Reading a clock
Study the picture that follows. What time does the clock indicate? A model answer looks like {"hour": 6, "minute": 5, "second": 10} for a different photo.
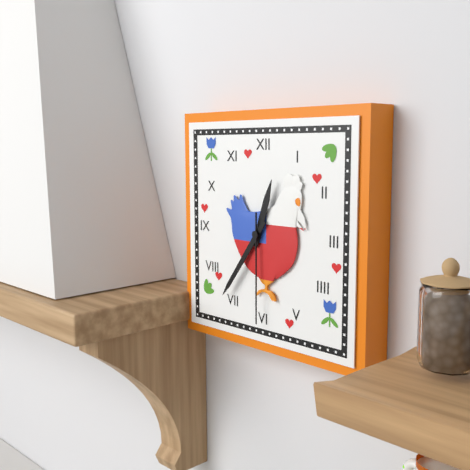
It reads {"hour": 12, "minute": 36, "second": 30}
